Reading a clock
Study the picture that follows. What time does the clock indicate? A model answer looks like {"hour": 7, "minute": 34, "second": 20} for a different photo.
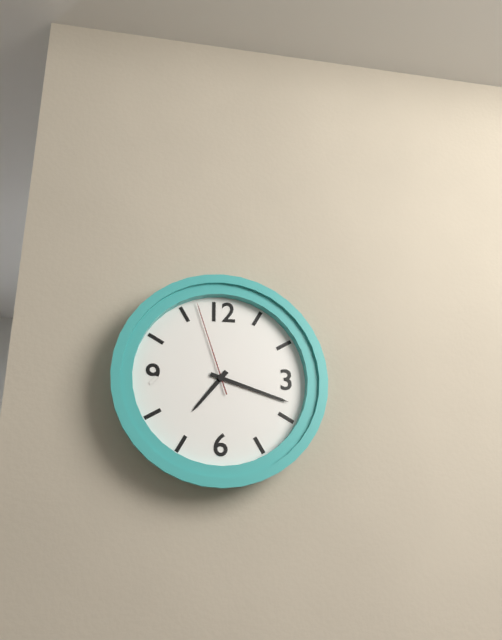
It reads {"hour": 7, "minute": 18, "second": 57}
